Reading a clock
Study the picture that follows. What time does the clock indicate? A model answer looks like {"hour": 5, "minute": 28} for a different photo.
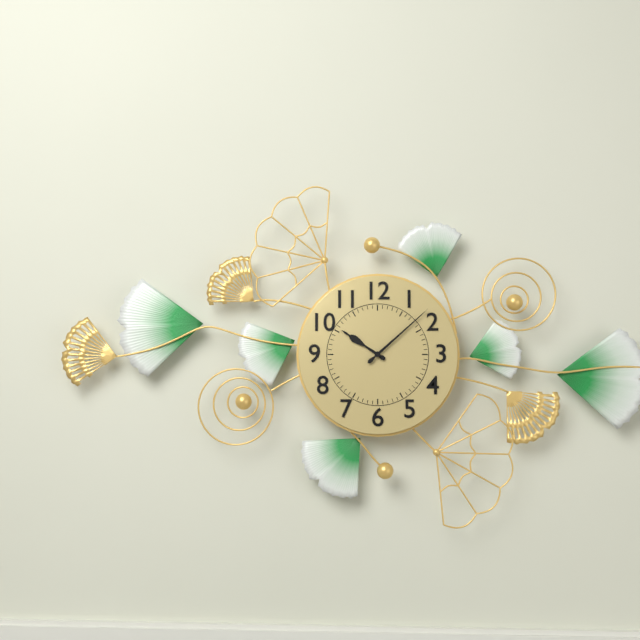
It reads {"hour": 10, "minute": 8}
